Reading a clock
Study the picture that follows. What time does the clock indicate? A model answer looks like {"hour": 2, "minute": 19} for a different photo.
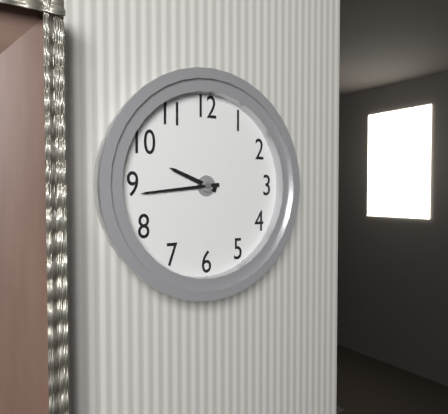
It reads {"hour": 9, "minute": 44}
